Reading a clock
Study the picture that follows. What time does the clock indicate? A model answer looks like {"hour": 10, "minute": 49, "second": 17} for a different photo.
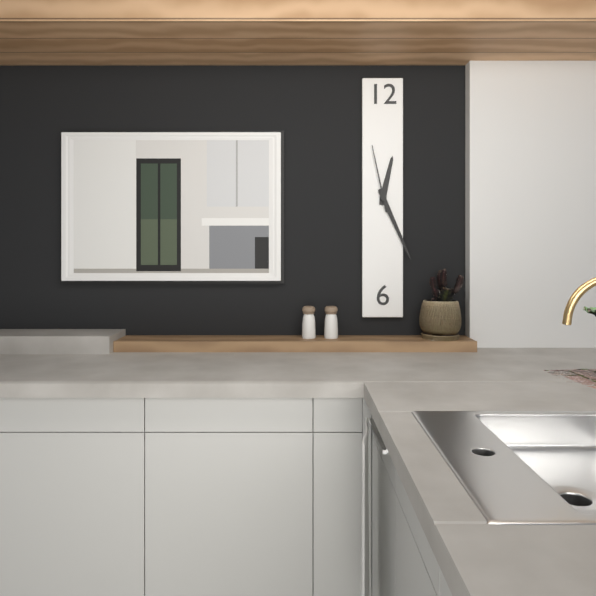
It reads {"hour": 12, "minute": 26, "second": 58}
